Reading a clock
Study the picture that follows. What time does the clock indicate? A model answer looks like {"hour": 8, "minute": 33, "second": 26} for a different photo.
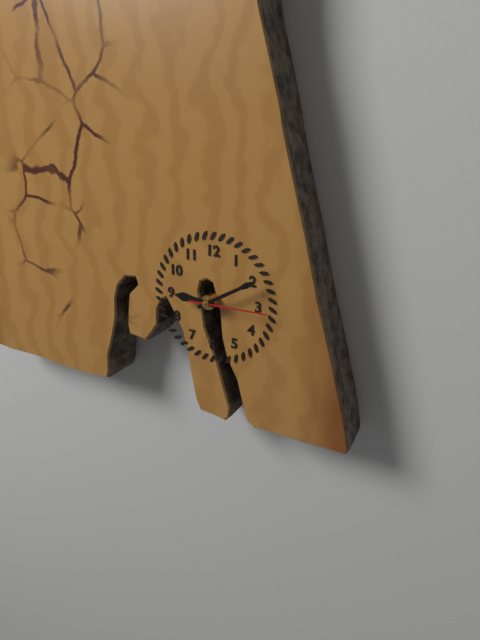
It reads {"hour": 9, "minute": 10, "second": 15}
